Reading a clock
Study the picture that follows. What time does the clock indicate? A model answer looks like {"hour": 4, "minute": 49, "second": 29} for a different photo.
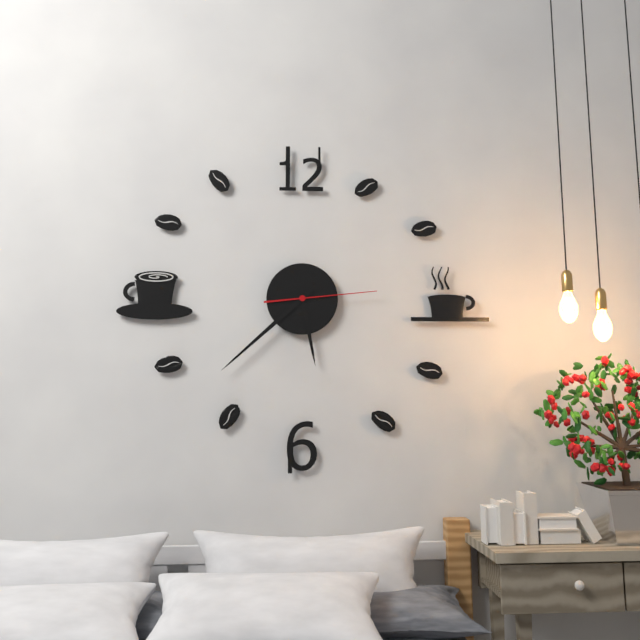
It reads {"hour": 5, "minute": 38, "second": 14}
